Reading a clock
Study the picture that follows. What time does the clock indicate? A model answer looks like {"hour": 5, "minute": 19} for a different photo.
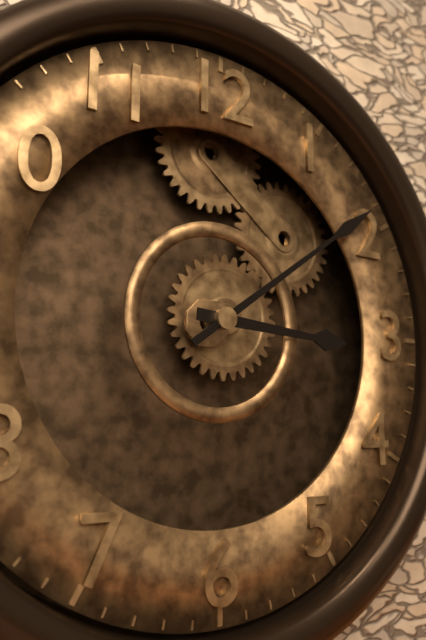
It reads {"hour": 3, "minute": 9}
